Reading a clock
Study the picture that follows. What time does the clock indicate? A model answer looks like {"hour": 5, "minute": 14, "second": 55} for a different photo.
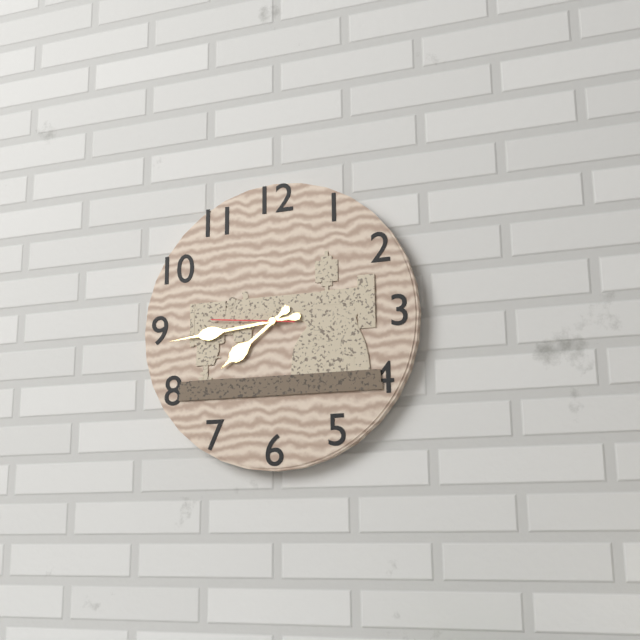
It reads {"hour": 7, "minute": 44, "second": 46}
